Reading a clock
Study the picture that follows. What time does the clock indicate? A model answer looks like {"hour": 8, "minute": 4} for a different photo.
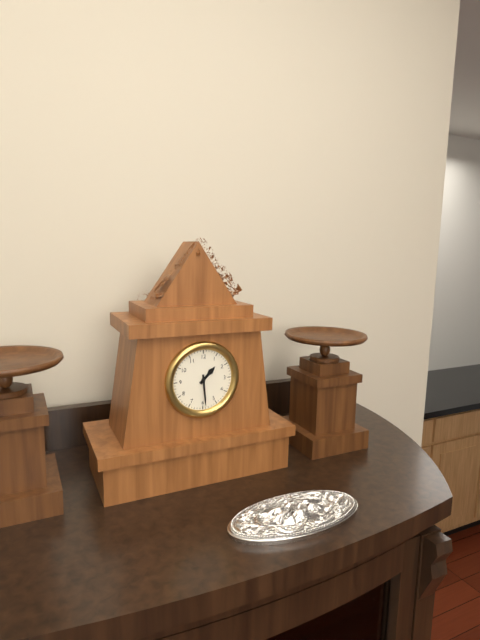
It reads {"hour": 1, "minute": 29}
